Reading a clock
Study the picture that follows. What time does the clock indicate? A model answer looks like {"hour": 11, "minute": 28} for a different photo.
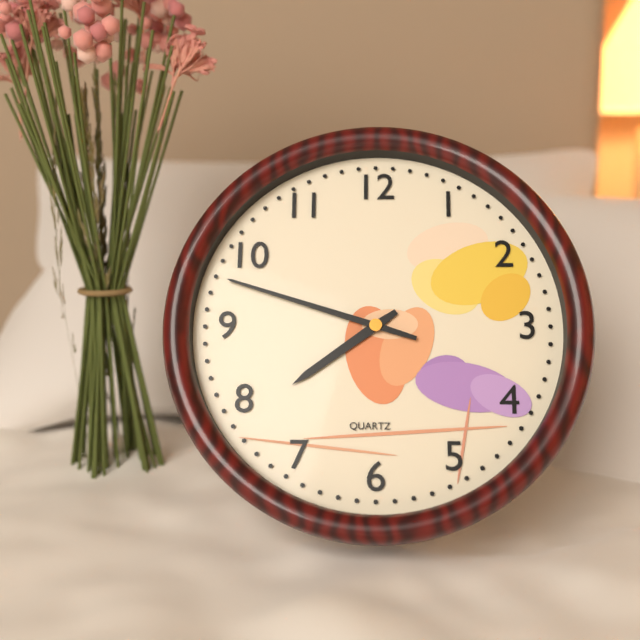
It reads {"hour": 7, "minute": 48}
